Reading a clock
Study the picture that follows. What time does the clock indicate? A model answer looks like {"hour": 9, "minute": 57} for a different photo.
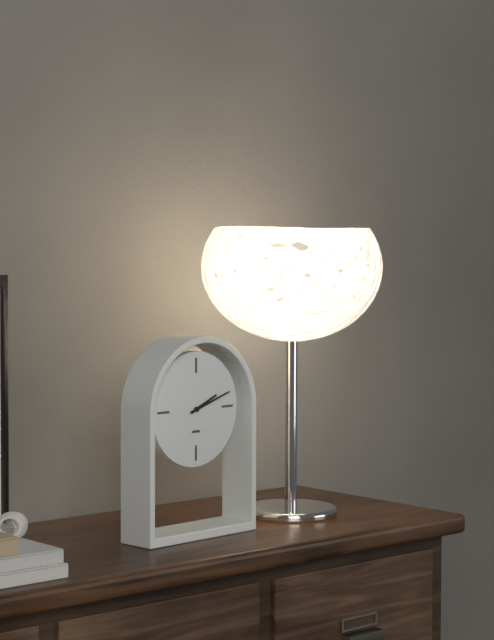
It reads {"hour": 2, "minute": 12}
